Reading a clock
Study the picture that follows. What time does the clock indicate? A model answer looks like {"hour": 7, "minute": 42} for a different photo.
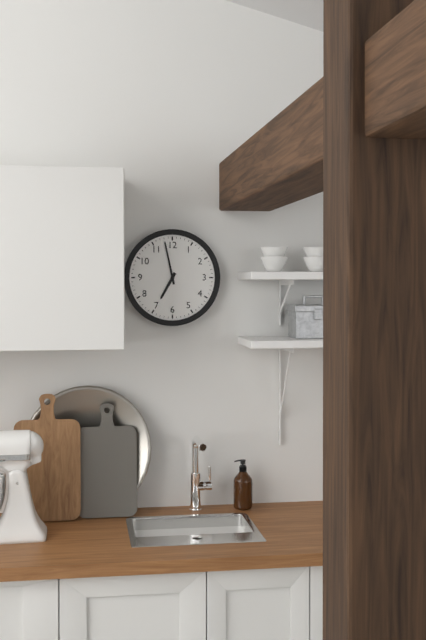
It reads {"hour": 6, "minute": 58}
